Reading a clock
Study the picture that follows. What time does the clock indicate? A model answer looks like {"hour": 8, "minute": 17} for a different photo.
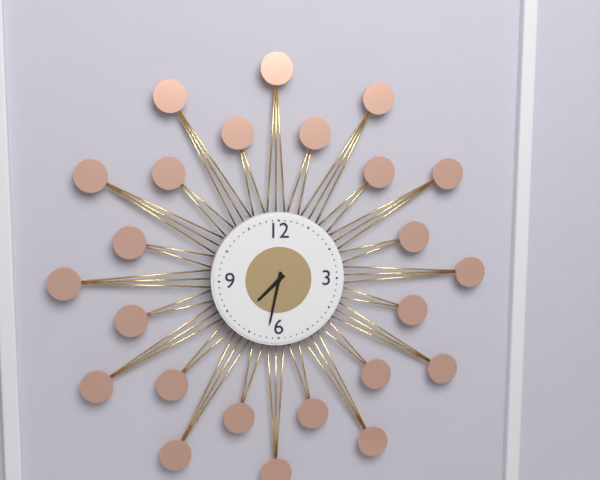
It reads {"hour": 7, "minute": 32}
